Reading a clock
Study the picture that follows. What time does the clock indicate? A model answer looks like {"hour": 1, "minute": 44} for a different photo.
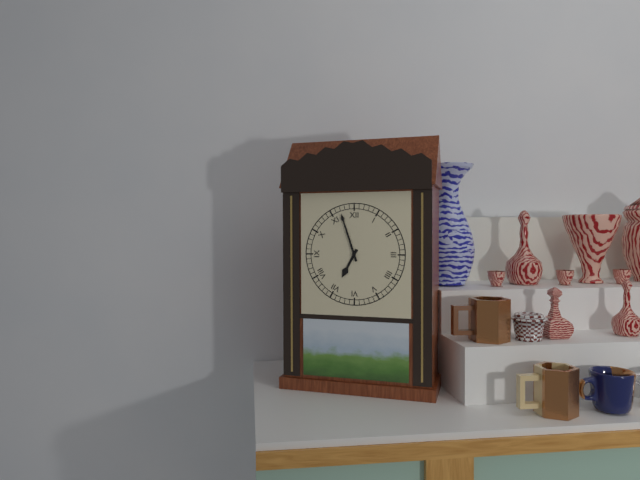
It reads {"hour": 6, "minute": 57}
